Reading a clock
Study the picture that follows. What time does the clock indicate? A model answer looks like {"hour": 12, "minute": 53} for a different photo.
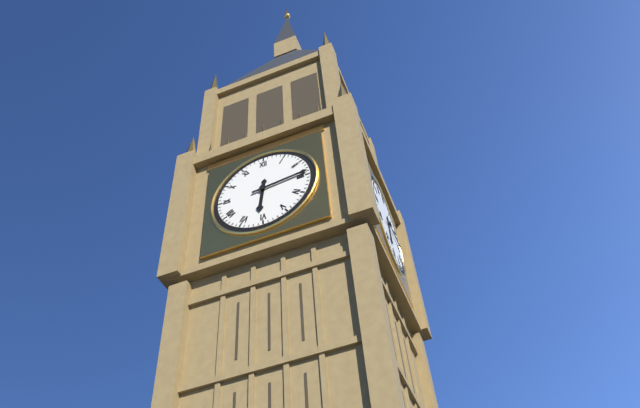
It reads {"hour": 6, "minute": 14}
